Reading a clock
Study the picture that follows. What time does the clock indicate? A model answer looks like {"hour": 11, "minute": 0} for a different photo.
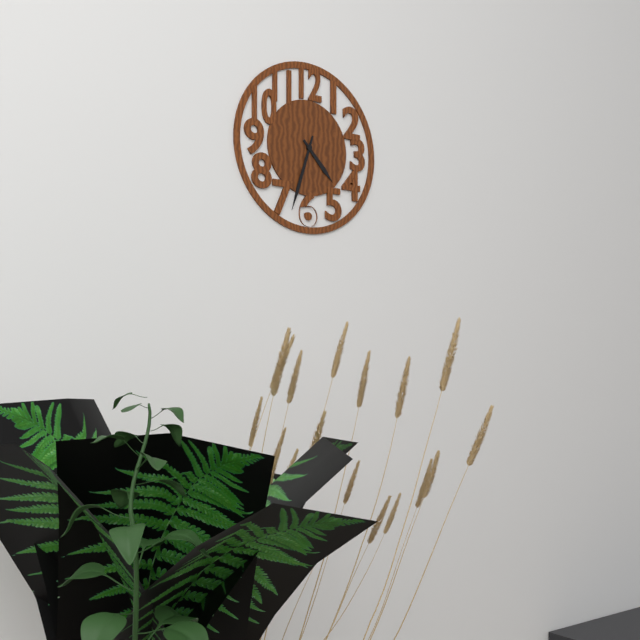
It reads {"hour": 4, "minute": 33}
